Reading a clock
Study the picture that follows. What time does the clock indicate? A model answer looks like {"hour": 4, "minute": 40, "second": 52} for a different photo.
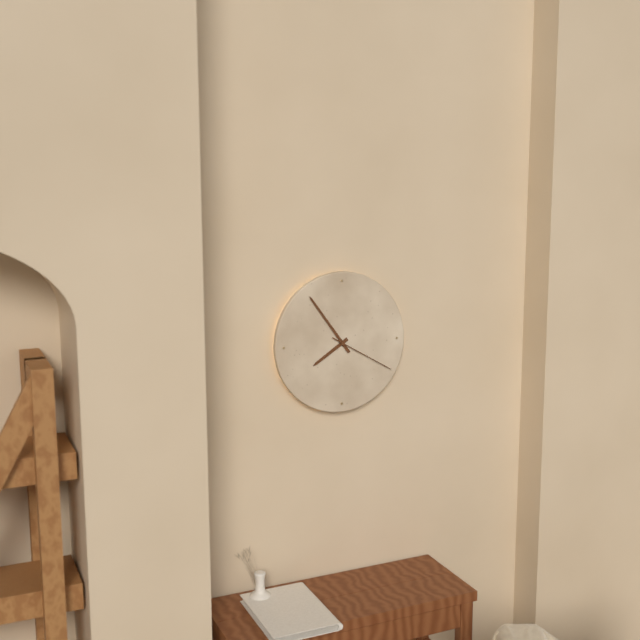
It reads {"hour": 7, "minute": 54, "second": 20}
